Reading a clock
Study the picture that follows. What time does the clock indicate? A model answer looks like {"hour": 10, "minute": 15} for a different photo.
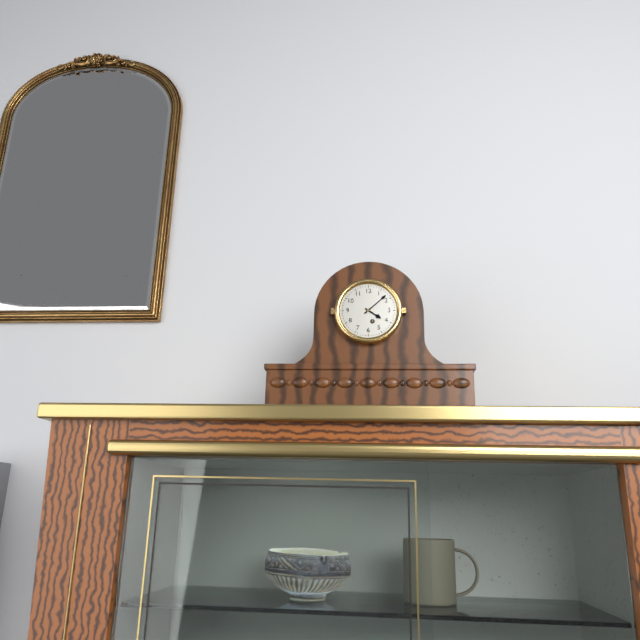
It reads {"hour": 4, "minute": 8}
